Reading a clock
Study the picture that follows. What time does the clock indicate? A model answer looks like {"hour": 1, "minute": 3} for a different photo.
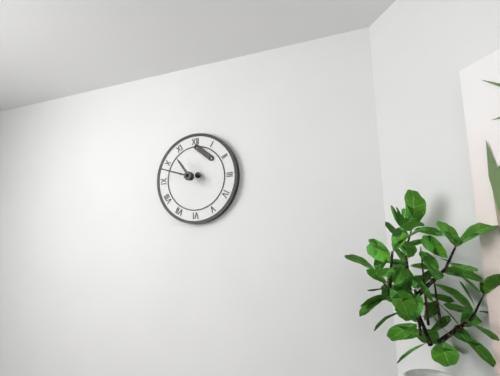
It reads {"hour": 10, "minute": 48}
